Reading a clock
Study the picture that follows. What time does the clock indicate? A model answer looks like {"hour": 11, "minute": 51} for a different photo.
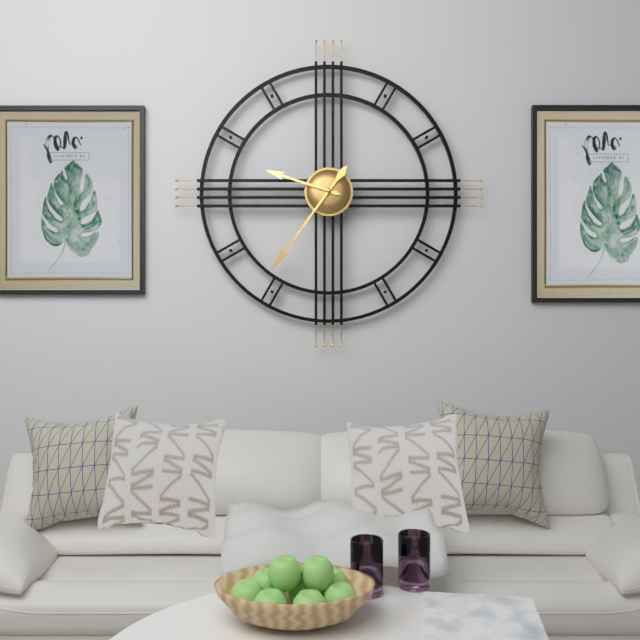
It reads {"hour": 9, "minute": 36}
